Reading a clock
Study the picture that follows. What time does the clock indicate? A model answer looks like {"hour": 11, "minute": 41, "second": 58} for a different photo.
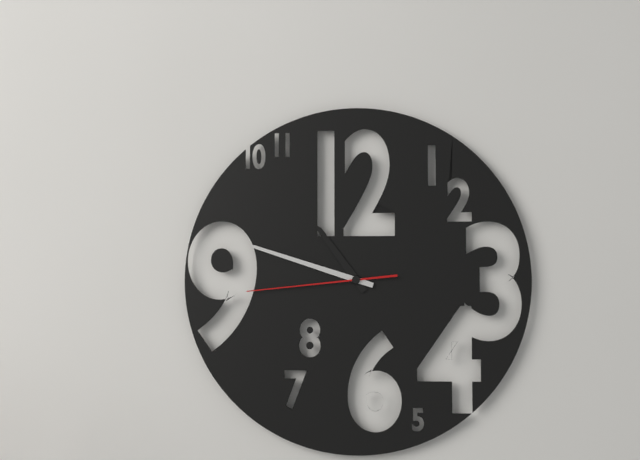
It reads {"hour": 10, "minute": 48, "second": 44}
